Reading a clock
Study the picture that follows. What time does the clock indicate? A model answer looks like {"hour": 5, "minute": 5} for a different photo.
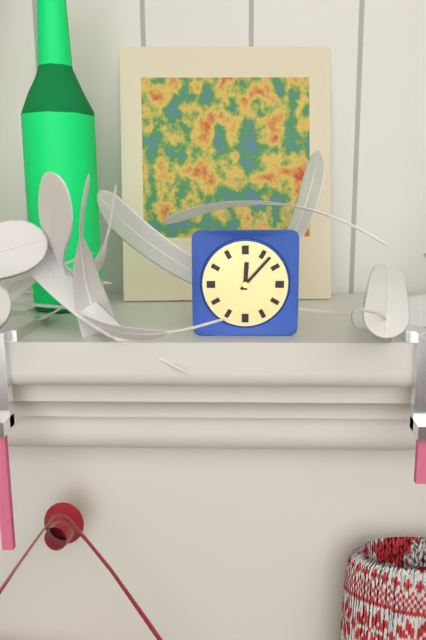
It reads {"hour": 12, "minute": 7}
